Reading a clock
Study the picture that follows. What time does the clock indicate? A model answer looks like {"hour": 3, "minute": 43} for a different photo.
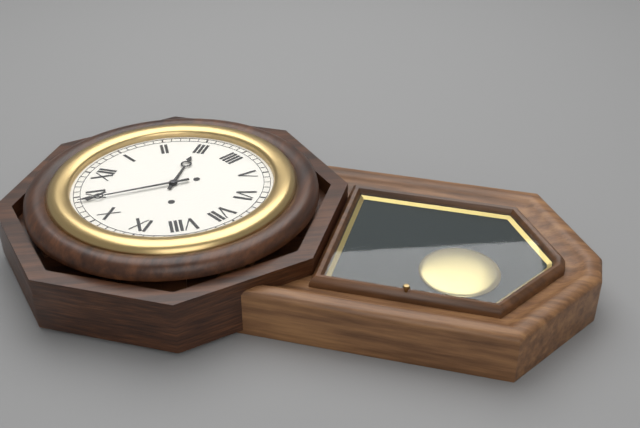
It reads {"hour": 2, "minute": 54}
